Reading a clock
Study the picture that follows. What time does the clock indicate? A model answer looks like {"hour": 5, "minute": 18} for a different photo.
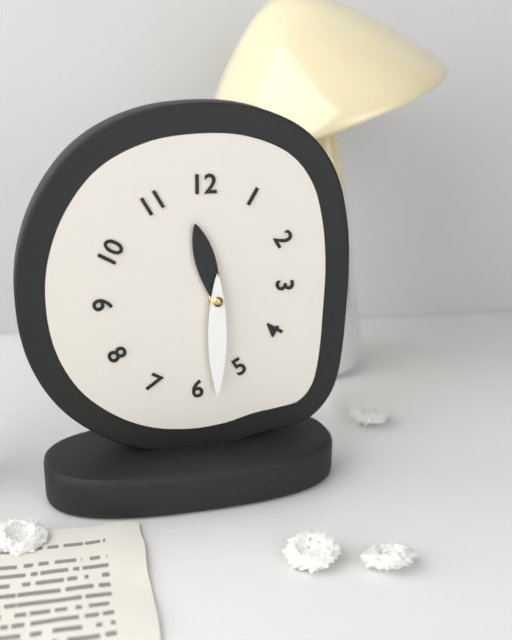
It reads {"hour": 11, "minute": 30}
